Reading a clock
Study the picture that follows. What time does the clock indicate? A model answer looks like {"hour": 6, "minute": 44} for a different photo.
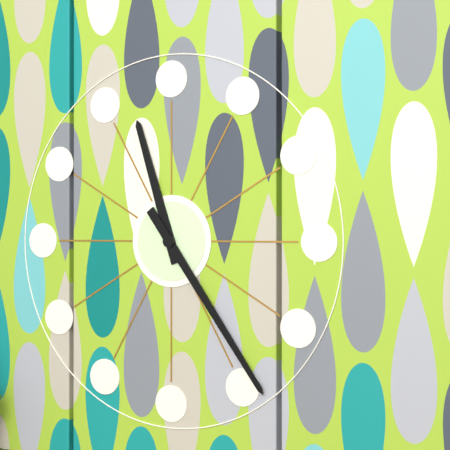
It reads {"hour": 11, "minute": 24}
